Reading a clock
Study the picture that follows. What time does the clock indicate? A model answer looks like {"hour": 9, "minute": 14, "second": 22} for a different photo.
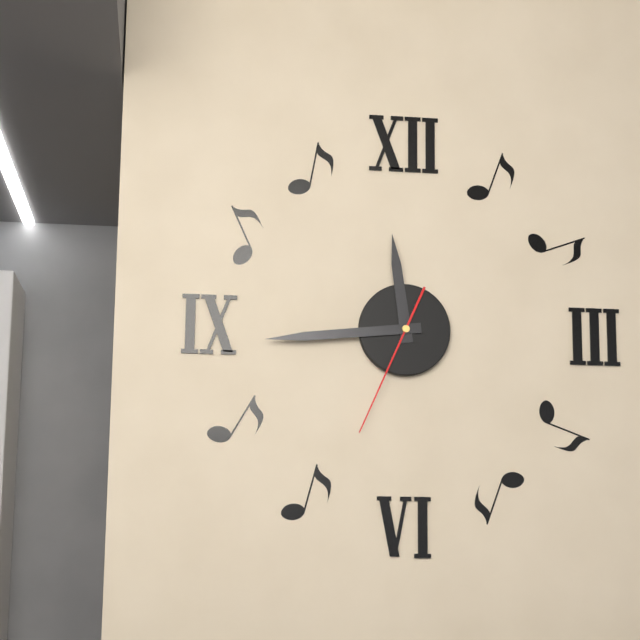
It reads {"hour": 11, "minute": 44, "second": 34}
